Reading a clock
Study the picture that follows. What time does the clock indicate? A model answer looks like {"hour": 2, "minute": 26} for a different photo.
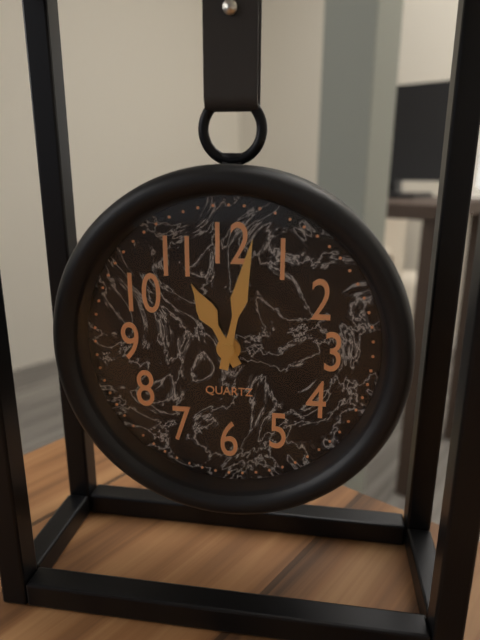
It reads {"hour": 11, "minute": 2}
